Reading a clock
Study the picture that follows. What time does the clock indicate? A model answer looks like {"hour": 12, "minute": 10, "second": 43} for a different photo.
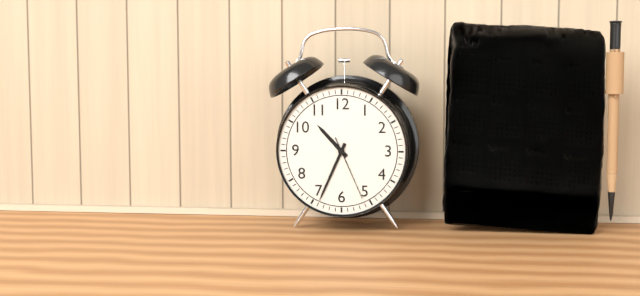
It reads {"hour": 10, "minute": 34, "second": 26}
